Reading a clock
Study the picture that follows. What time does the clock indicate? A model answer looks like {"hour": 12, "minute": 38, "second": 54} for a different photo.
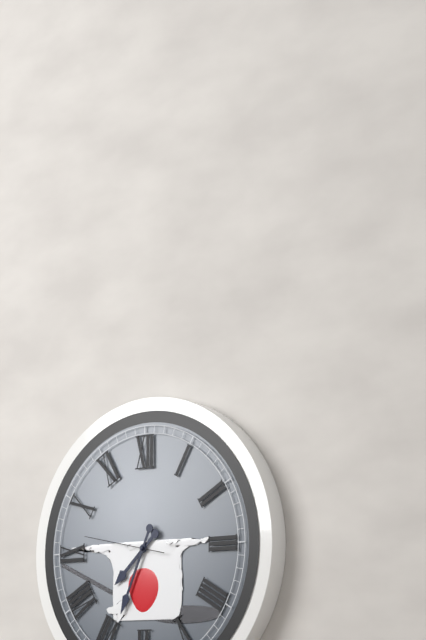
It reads {"hour": 7, "minute": 34, "second": 47}
